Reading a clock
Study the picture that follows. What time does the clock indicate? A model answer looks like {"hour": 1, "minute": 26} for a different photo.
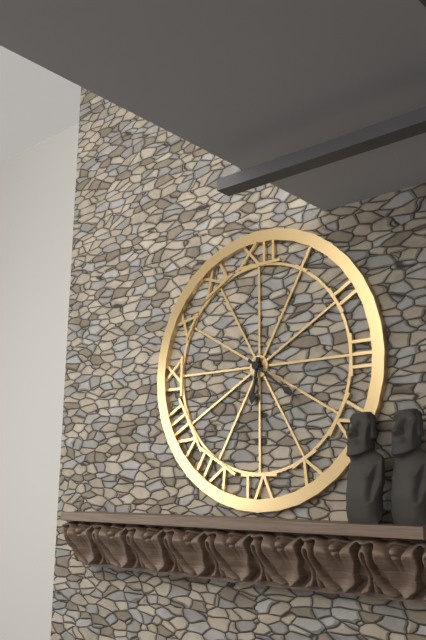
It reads {"hour": 6, "minute": 21}
